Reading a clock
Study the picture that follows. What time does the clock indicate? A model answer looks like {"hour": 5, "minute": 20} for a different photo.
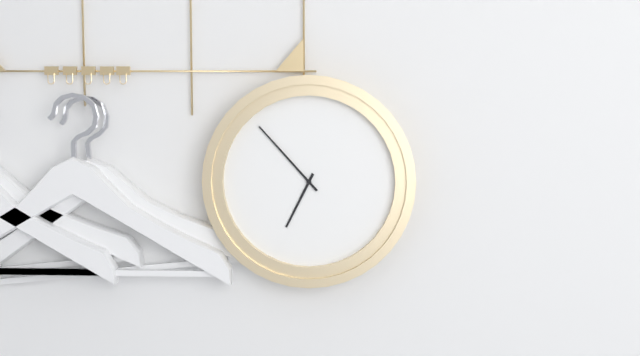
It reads {"hour": 6, "minute": 53}
